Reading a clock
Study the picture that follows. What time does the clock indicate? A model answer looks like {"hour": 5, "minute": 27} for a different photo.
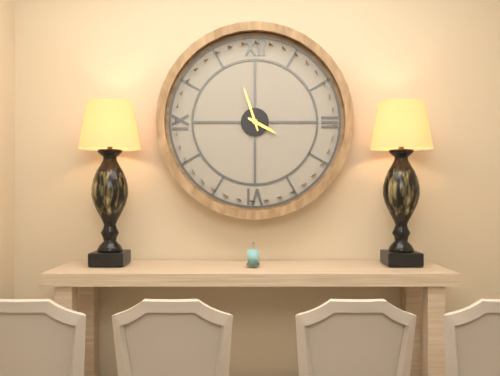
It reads {"hour": 3, "minute": 57}
